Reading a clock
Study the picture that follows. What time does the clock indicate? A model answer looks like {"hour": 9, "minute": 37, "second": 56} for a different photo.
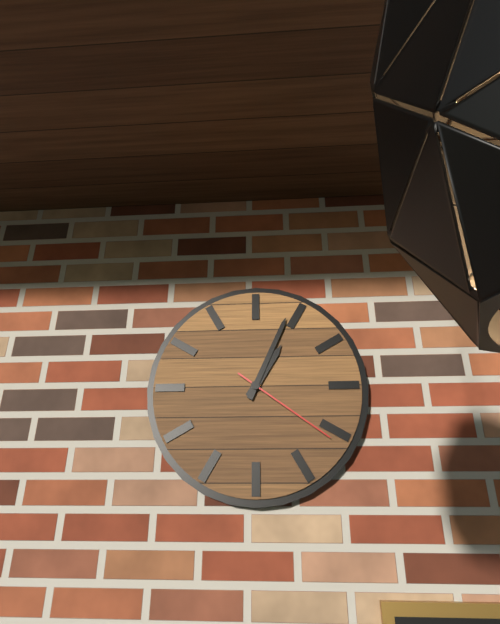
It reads {"hour": 1, "minute": 4, "second": 21}
